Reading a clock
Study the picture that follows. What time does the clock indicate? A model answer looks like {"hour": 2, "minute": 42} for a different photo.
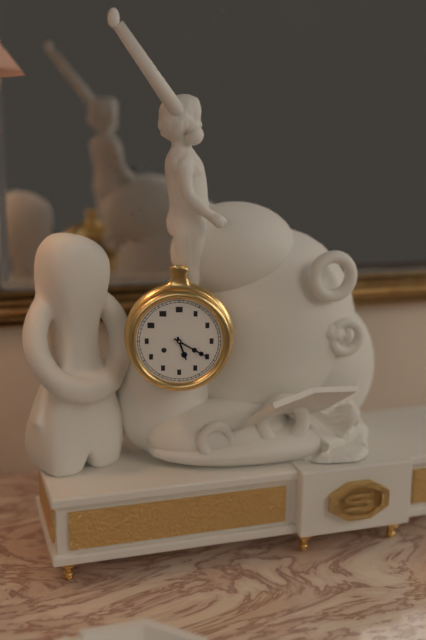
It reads {"hour": 5, "minute": 20}
